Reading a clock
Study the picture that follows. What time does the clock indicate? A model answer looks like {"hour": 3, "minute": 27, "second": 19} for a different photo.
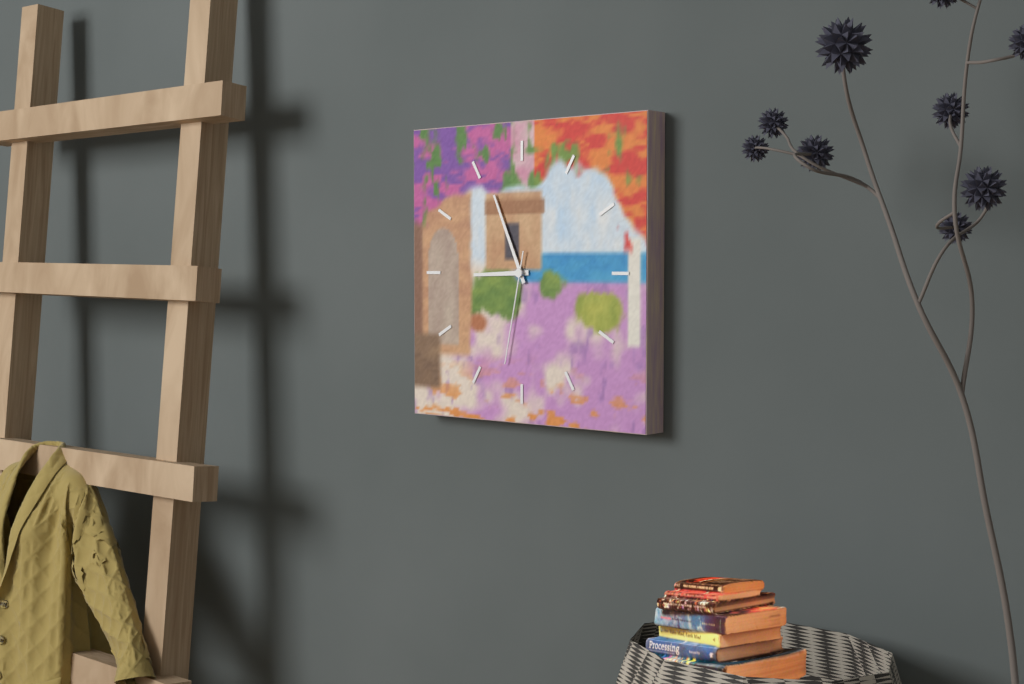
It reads {"hour": 8, "minute": 56, "second": 32}
